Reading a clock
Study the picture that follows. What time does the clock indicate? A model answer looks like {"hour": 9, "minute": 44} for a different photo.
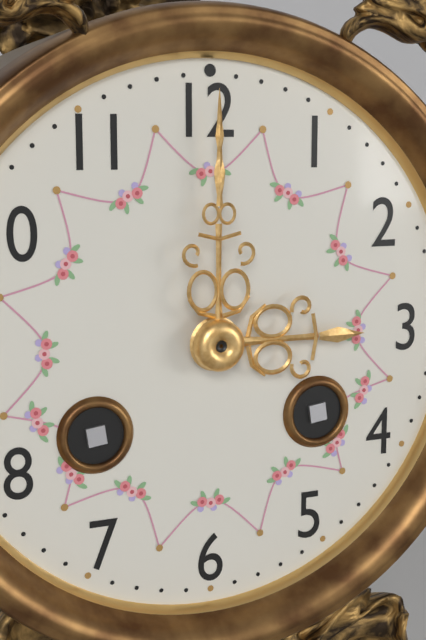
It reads {"hour": 3, "minute": 0}
